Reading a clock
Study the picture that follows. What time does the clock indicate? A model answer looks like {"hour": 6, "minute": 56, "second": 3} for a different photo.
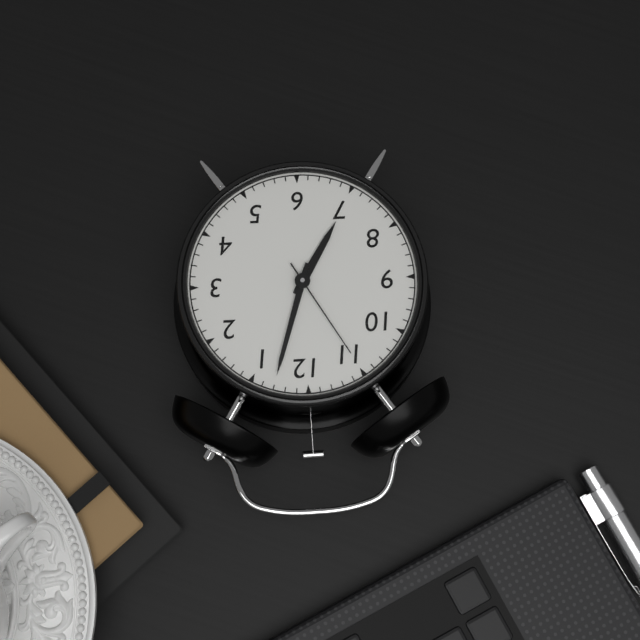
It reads {"hour": 7, "minute": 3, "second": 55}
